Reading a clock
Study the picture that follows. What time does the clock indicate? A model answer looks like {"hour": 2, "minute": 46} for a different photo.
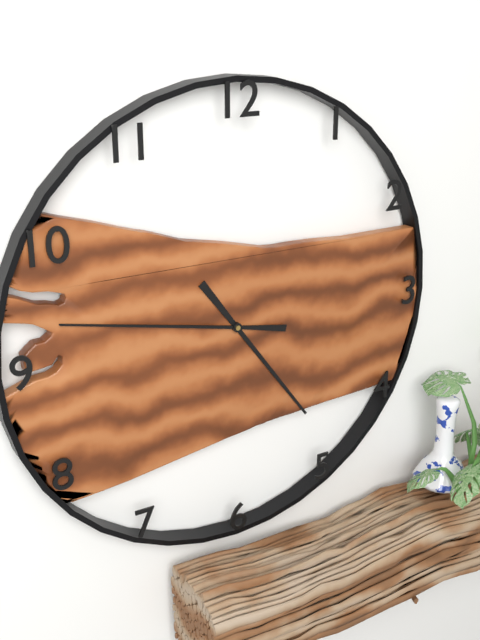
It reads {"hour": 4, "minute": 47}
